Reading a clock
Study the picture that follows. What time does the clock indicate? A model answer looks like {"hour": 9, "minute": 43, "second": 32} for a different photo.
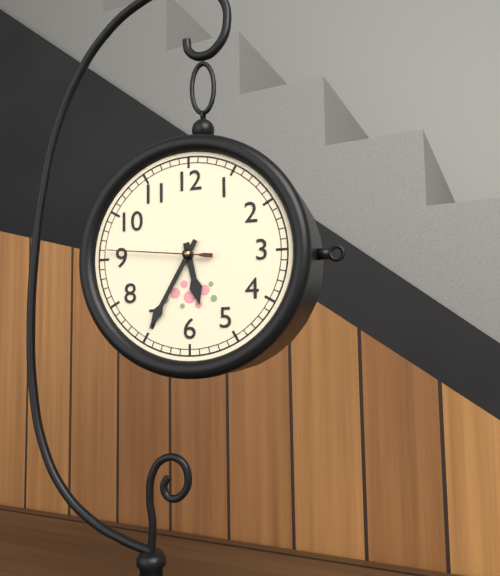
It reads {"hour": 5, "minute": 35, "second": 46}
